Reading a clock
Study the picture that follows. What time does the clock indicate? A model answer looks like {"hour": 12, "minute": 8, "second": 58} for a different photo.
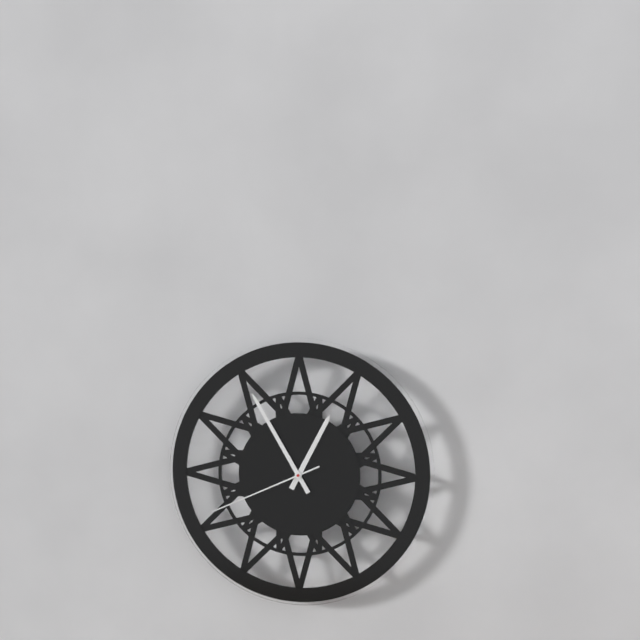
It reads {"hour": 12, "minute": 55, "second": 41}
